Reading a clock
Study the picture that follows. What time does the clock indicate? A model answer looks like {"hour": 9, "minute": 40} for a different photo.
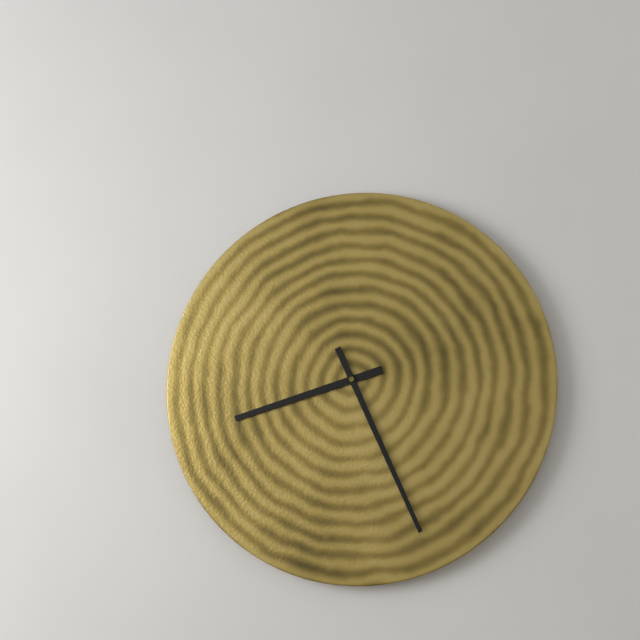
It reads {"hour": 8, "minute": 26}
